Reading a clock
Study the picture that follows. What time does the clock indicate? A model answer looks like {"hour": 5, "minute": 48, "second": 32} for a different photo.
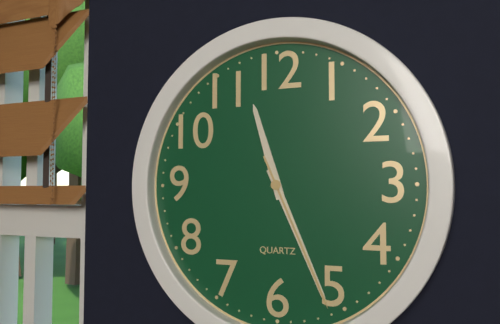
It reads {"hour": 11, "minute": 26, "second": 26}
